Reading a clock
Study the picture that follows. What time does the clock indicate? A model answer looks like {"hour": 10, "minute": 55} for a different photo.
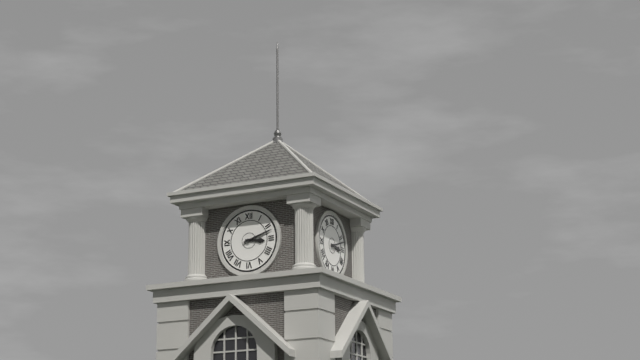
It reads {"hour": 3, "minute": 12}
